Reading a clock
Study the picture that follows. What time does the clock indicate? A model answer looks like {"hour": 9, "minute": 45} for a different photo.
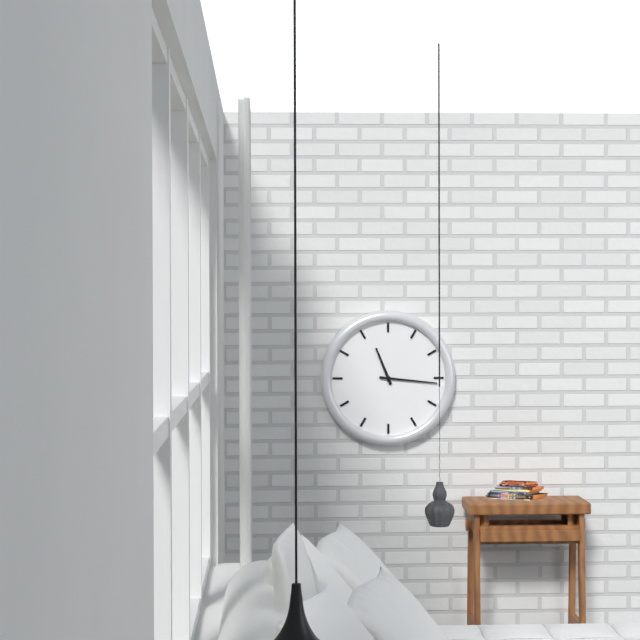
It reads {"hour": 11, "minute": 16}
